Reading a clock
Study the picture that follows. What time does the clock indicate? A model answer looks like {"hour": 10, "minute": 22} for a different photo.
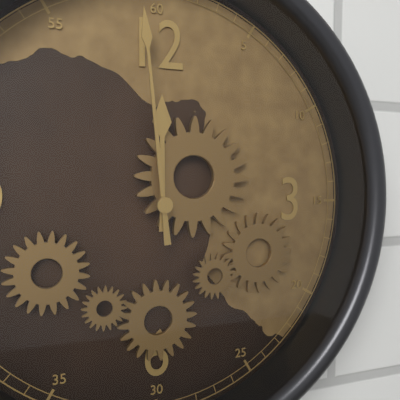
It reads {"hour": 11, "minute": 59}
